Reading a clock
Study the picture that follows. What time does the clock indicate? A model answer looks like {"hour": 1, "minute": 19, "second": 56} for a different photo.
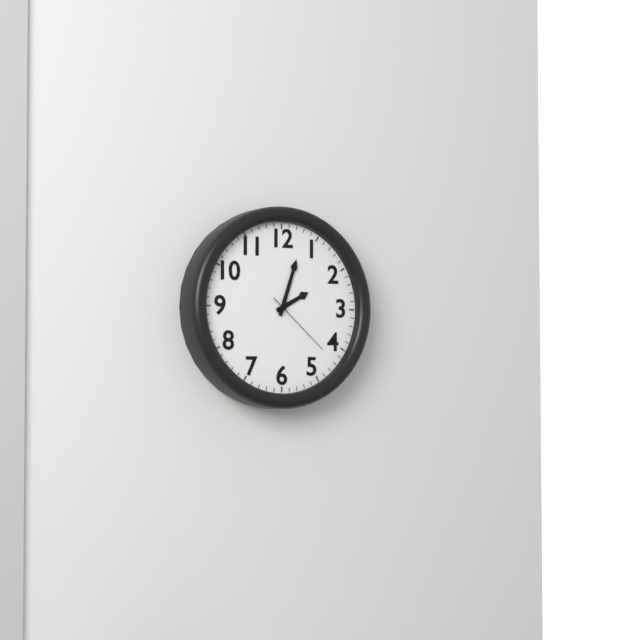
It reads {"hour": 2, "minute": 3, "second": 22}
